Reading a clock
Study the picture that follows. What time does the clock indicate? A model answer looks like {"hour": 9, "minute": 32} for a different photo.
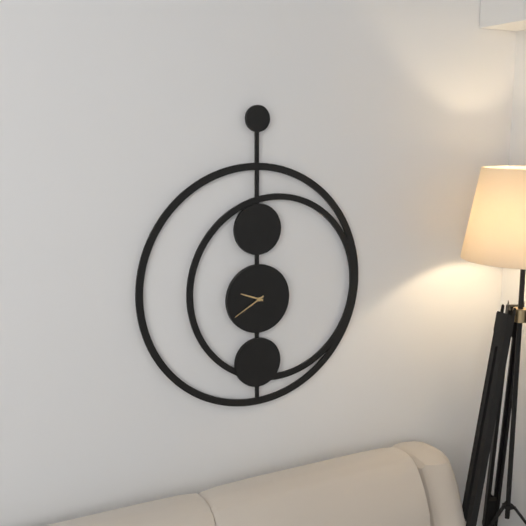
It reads {"hour": 9, "minute": 40}
